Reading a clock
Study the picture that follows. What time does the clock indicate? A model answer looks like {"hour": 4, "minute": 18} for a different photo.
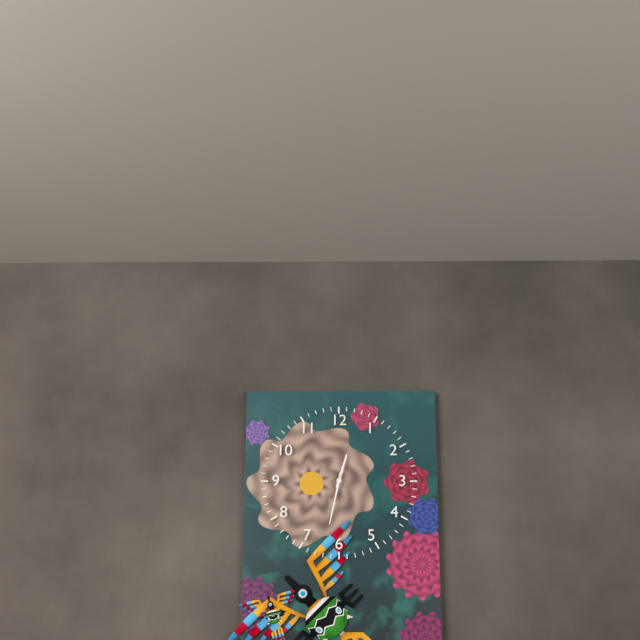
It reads {"hour": 12, "minute": 32}
